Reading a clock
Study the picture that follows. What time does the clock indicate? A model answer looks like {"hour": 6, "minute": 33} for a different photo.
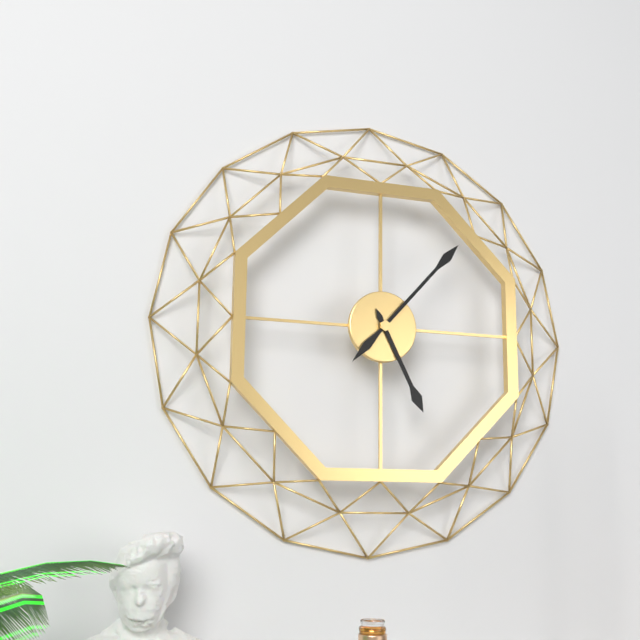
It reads {"hour": 5, "minute": 7}
